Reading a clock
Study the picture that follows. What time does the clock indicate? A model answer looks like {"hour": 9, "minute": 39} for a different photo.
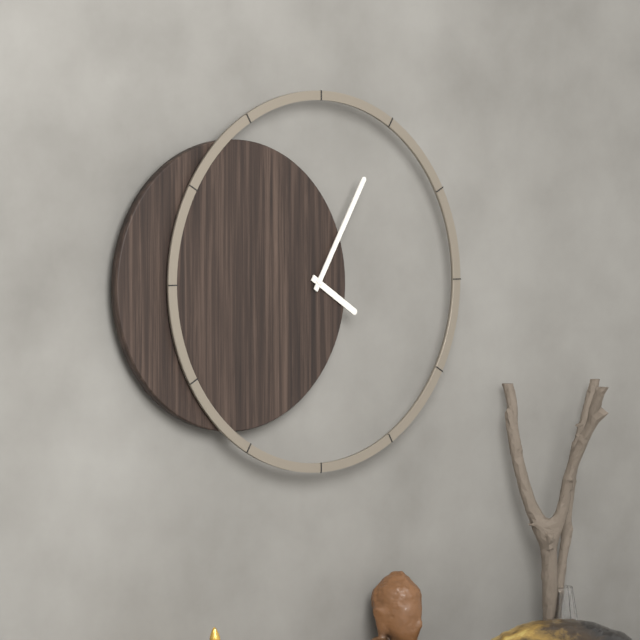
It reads {"hour": 4, "minute": 5}
